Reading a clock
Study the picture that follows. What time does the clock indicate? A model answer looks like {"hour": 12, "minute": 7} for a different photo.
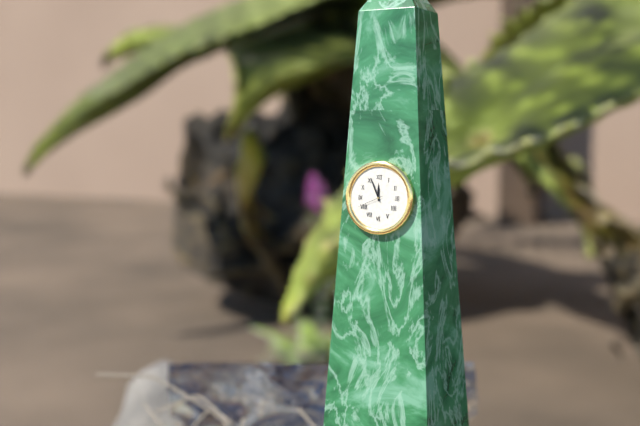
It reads {"hour": 11, "minute": 56}
